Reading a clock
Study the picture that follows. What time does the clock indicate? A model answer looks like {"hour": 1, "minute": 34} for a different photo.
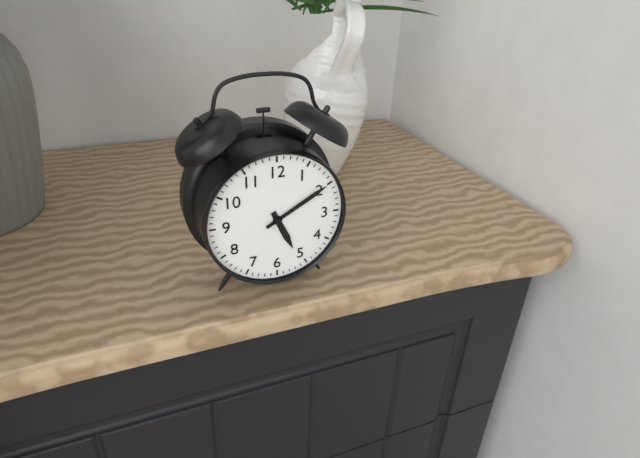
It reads {"hour": 5, "minute": 10}
